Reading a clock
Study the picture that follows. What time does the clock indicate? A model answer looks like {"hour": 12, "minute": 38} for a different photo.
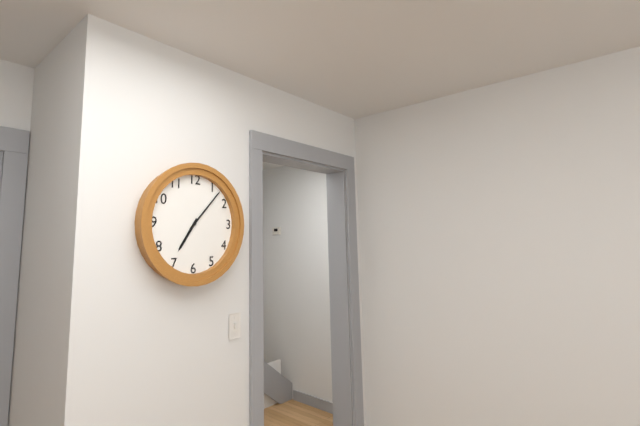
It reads {"hour": 7, "minute": 7}
